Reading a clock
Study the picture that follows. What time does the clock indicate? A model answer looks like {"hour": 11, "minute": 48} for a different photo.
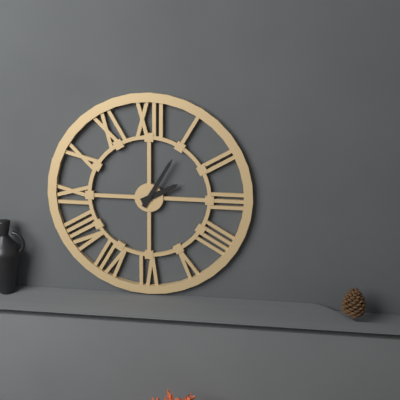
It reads {"hour": 2, "minute": 5}
